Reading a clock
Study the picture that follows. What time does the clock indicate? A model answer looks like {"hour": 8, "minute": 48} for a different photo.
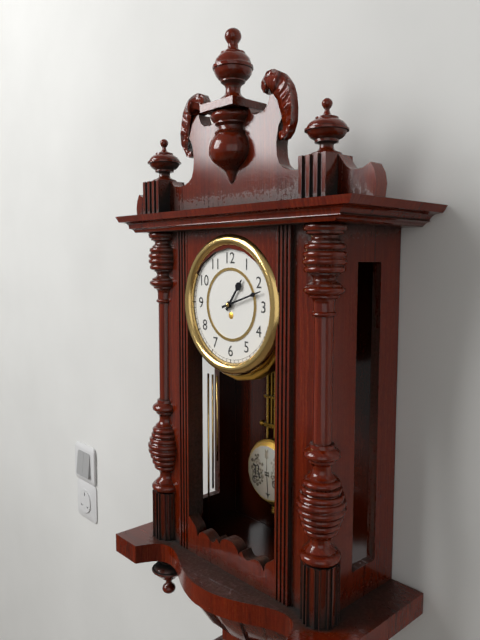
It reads {"hour": 1, "minute": 12}
